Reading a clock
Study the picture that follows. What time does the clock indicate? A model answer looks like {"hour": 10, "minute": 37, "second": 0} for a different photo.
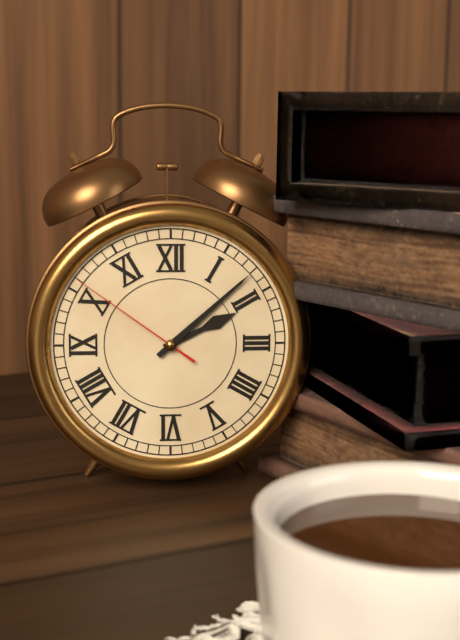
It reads {"hour": 2, "minute": 8, "second": 51}
